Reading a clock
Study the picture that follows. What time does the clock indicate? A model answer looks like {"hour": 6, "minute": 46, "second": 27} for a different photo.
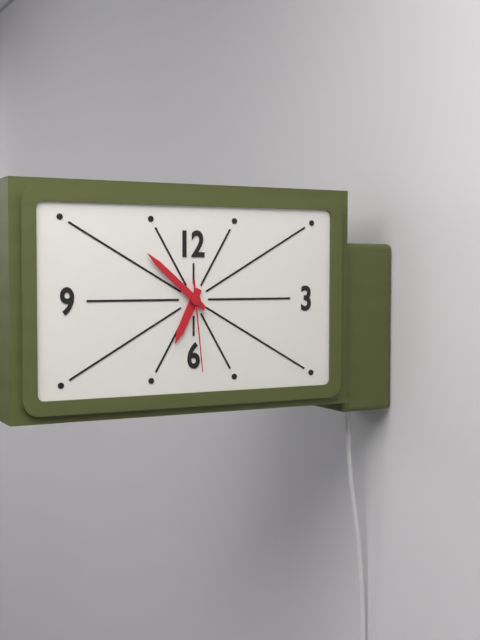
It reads {"hour": 6, "minute": 52, "second": 29}
